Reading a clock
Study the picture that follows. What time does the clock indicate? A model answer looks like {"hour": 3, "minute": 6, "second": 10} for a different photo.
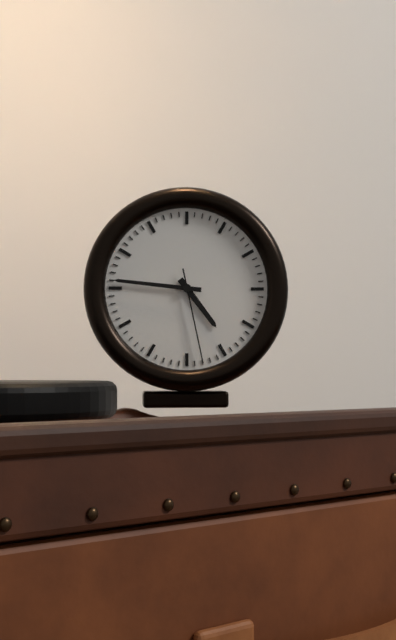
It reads {"hour": 4, "minute": 46, "second": 28}
